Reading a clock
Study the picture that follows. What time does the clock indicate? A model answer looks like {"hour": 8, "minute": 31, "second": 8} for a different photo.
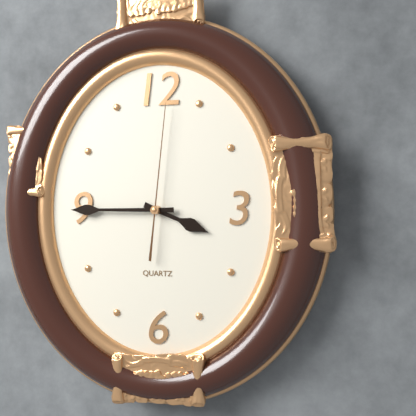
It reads {"hour": 3, "minute": 45, "second": 1}
